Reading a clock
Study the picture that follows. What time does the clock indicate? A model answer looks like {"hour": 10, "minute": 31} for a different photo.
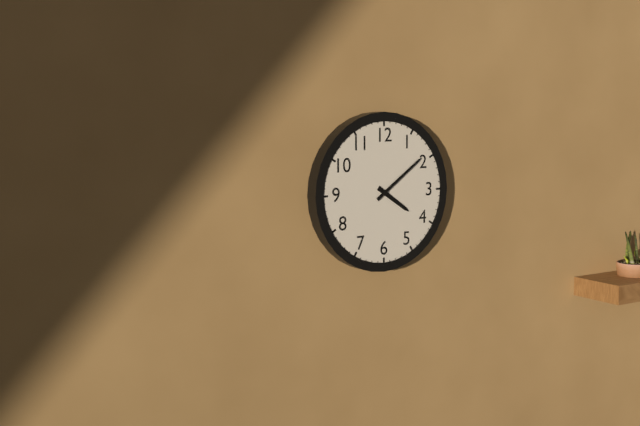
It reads {"hour": 4, "minute": 9}
